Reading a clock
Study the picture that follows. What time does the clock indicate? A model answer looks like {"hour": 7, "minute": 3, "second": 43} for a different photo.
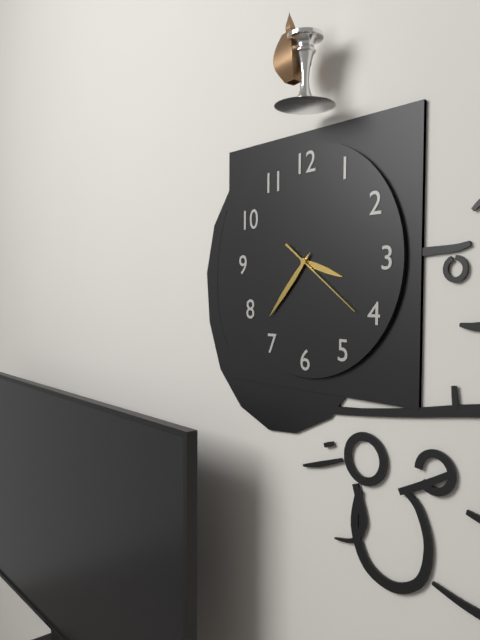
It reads {"hour": 3, "minute": 37, "second": 21}
